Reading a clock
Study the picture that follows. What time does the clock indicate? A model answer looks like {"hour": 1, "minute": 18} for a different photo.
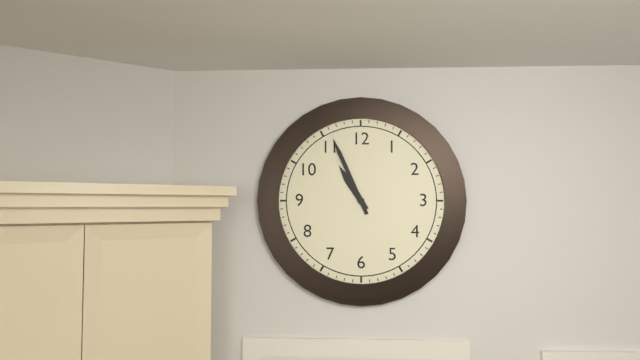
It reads {"hour": 10, "minute": 56}
